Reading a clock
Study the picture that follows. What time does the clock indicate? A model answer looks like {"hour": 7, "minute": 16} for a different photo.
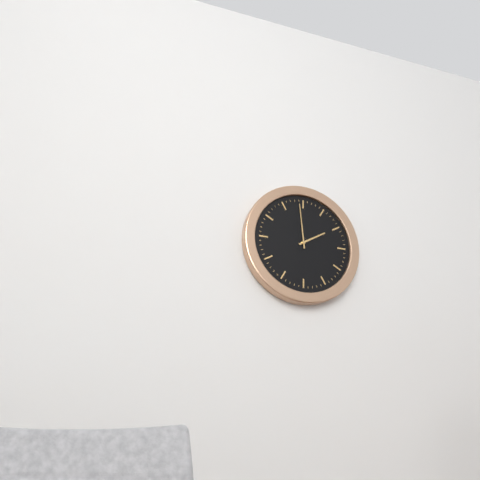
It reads {"hour": 1, "minute": 59}
